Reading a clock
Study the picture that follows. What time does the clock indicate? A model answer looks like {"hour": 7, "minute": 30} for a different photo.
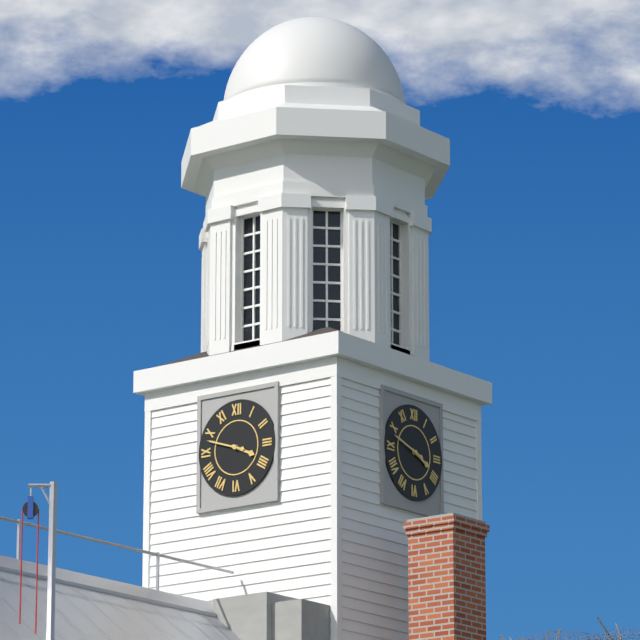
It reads {"hour": 3, "minute": 48}
